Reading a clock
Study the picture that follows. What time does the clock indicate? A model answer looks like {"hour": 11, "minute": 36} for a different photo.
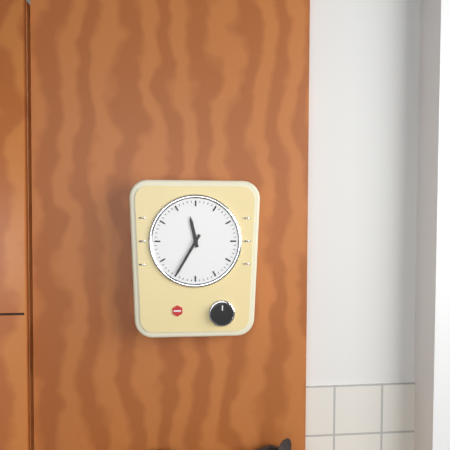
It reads {"hour": 11, "minute": 35}
